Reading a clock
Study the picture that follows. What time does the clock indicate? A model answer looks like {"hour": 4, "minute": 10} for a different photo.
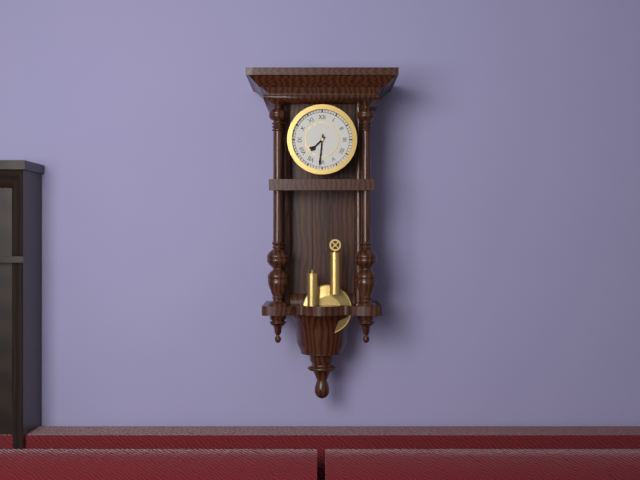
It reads {"hour": 7, "minute": 31}
